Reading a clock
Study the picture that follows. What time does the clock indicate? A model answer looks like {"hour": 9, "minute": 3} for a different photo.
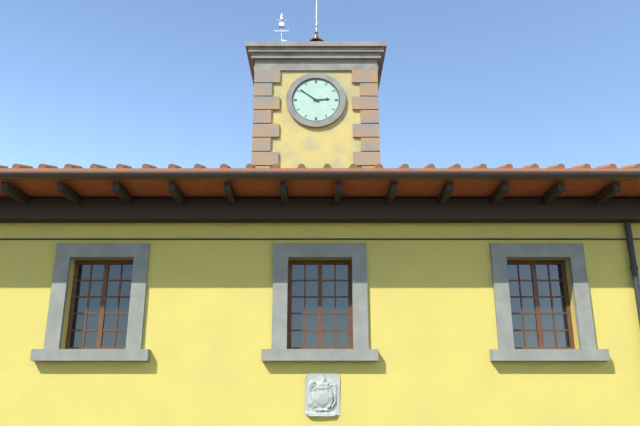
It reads {"hour": 2, "minute": 51}
